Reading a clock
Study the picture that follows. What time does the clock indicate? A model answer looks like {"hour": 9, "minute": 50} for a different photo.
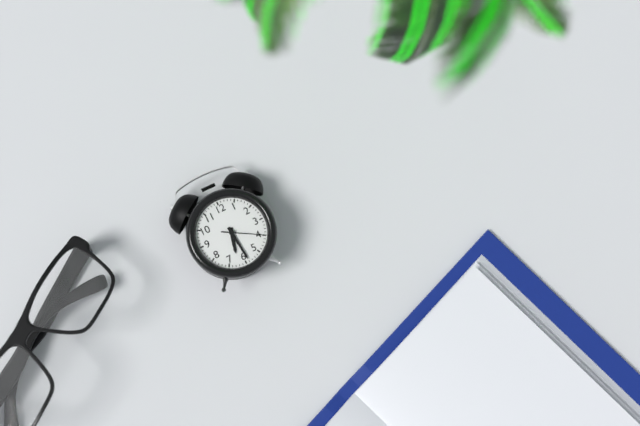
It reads {"hour": 6, "minute": 29}
